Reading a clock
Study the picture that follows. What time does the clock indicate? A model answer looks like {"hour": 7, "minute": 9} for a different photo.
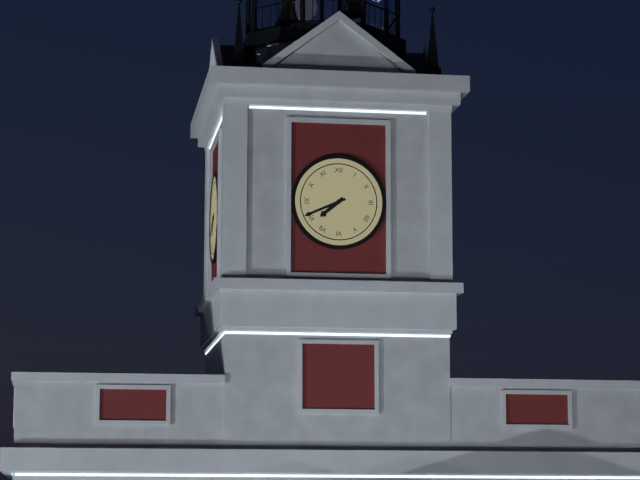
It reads {"hour": 7, "minute": 41}
